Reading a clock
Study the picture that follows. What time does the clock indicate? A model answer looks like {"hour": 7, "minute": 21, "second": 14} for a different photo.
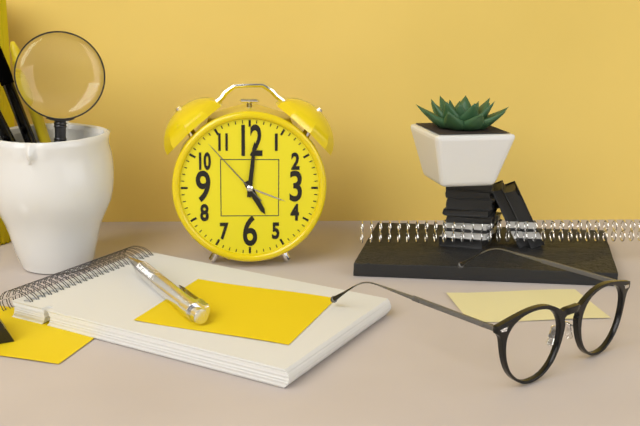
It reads {"hour": 5, "minute": 1, "second": 53}
